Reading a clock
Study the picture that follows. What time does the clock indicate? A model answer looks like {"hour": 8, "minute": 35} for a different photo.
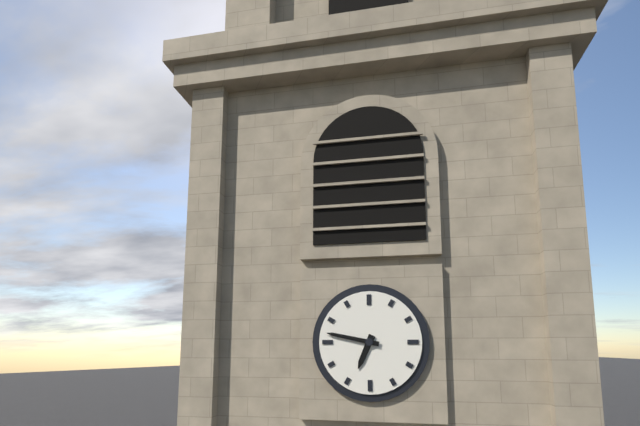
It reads {"hour": 6, "minute": 47}
